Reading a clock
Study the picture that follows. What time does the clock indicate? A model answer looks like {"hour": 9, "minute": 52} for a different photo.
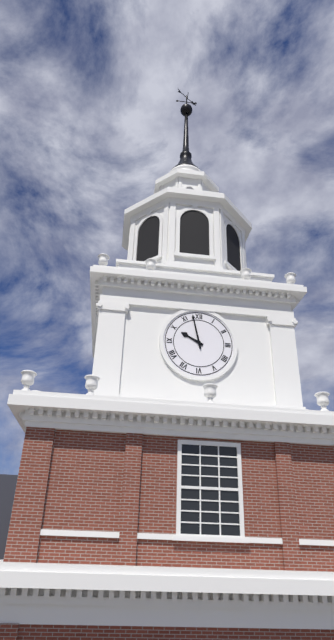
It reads {"hour": 9, "minute": 58}
